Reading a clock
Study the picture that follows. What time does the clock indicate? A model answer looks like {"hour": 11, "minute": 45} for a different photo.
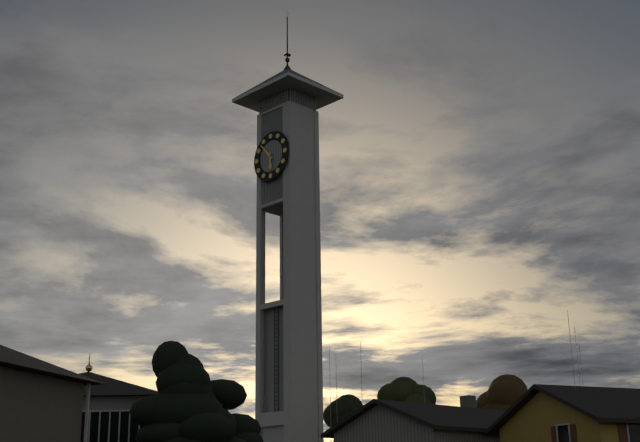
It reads {"hour": 5, "minute": 53}
